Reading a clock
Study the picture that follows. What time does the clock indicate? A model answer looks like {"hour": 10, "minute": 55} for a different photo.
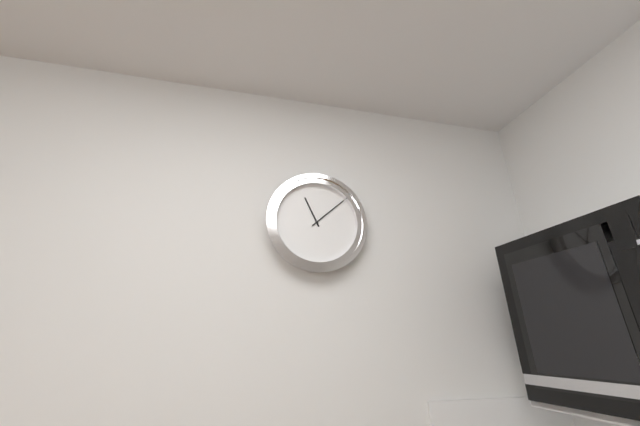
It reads {"hour": 11, "minute": 8}
